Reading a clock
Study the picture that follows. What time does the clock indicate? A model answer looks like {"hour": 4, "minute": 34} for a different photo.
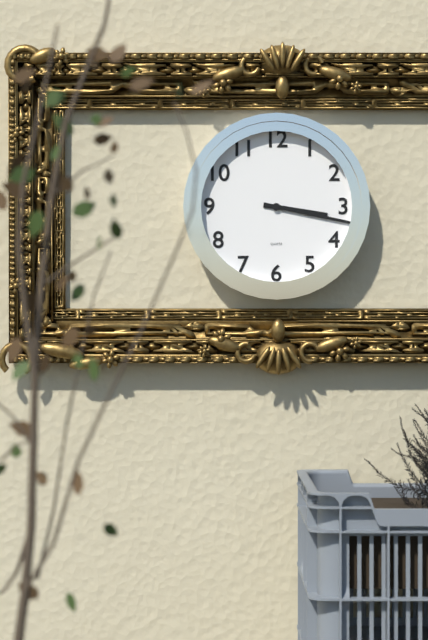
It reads {"hour": 3, "minute": 17}
